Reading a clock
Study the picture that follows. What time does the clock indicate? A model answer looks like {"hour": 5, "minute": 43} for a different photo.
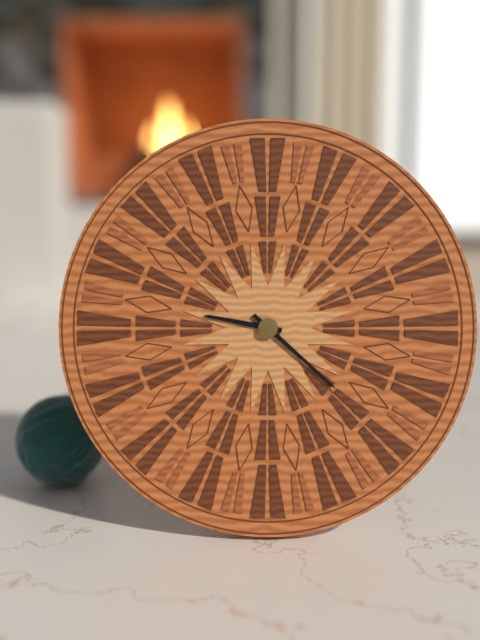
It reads {"hour": 9, "minute": 22}
